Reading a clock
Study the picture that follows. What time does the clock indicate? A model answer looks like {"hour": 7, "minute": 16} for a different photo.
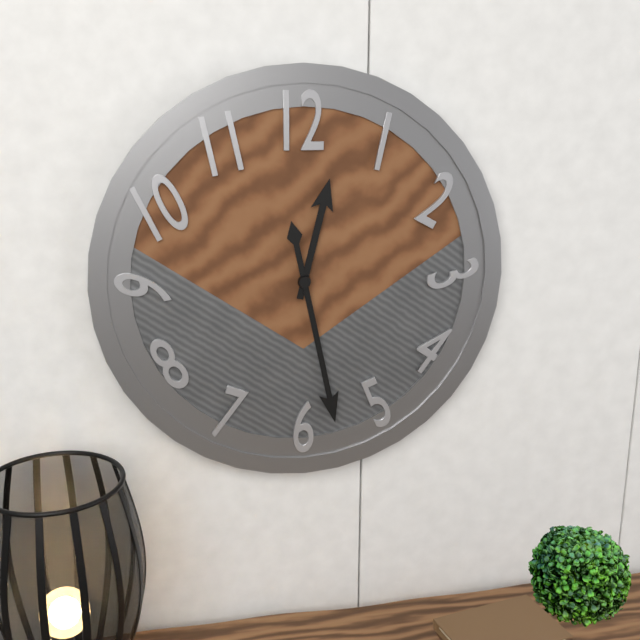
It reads {"hour": 12, "minute": 28}
